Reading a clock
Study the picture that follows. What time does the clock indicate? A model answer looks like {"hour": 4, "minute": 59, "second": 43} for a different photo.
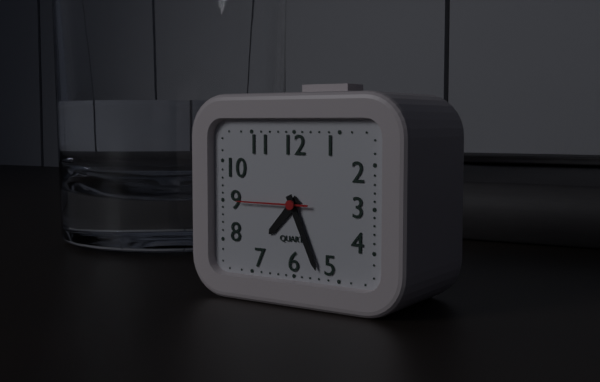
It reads {"hour": 7, "minute": 26, "second": 45}
